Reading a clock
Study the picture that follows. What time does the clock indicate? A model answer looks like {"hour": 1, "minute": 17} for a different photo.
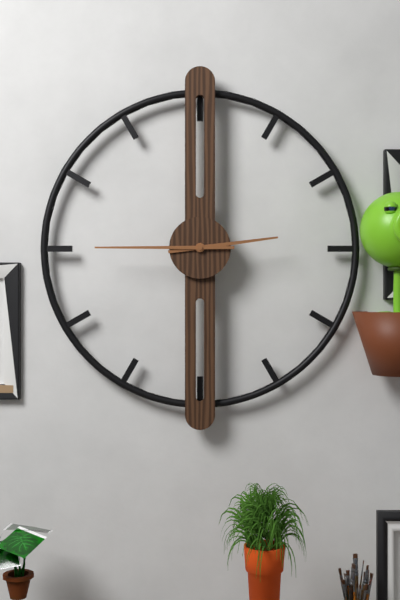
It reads {"hour": 2, "minute": 45}
